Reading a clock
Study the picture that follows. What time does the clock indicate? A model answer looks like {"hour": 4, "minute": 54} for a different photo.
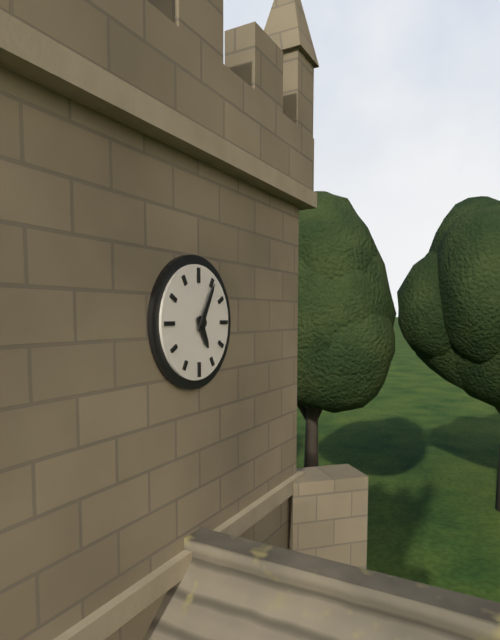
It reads {"hour": 5, "minute": 5}
